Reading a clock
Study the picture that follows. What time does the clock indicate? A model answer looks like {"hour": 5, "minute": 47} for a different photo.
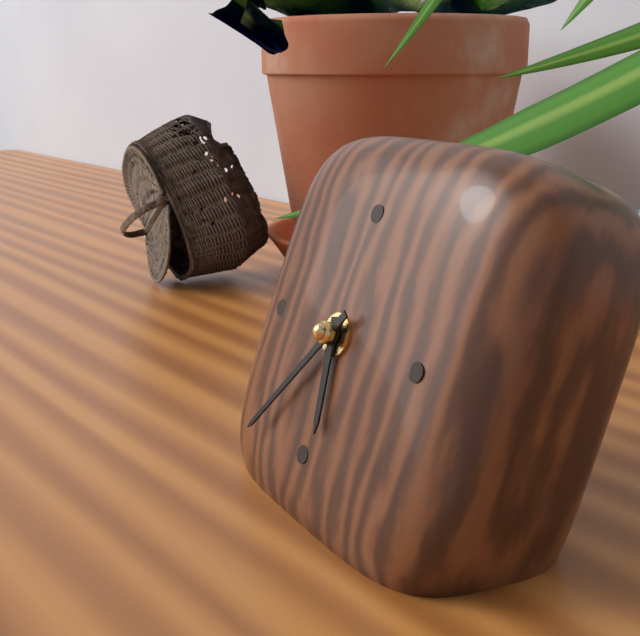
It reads {"hour": 5, "minute": 36}
